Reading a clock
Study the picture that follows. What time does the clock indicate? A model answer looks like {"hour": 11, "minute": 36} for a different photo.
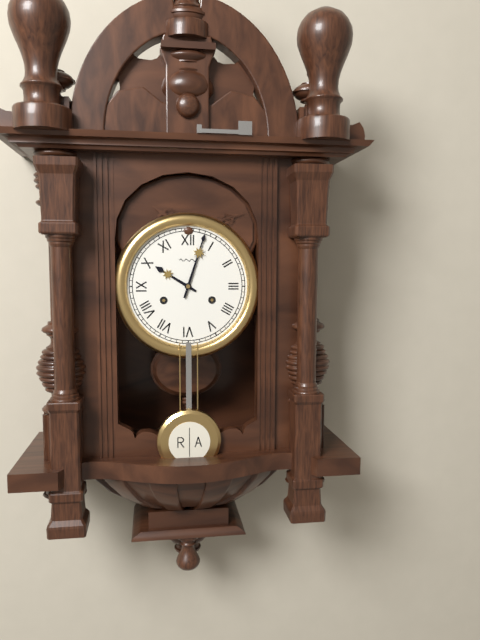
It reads {"hour": 10, "minute": 3}
